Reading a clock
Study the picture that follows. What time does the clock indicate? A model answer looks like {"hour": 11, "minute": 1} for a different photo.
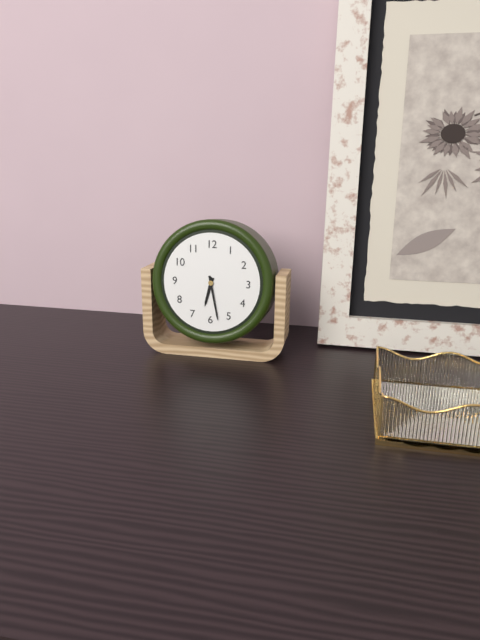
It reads {"hour": 6, "minute": 28}
